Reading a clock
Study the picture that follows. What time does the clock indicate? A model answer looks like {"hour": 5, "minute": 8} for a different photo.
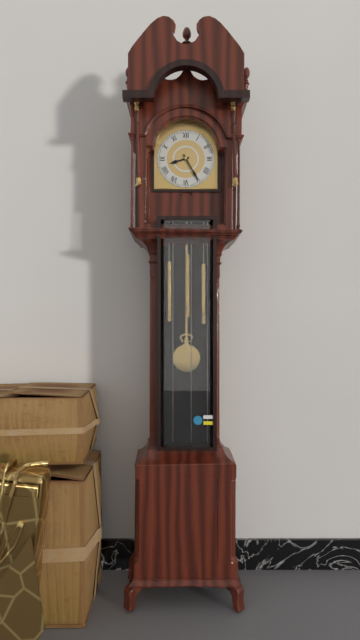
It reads {"hour": 8, "minute": 25}
